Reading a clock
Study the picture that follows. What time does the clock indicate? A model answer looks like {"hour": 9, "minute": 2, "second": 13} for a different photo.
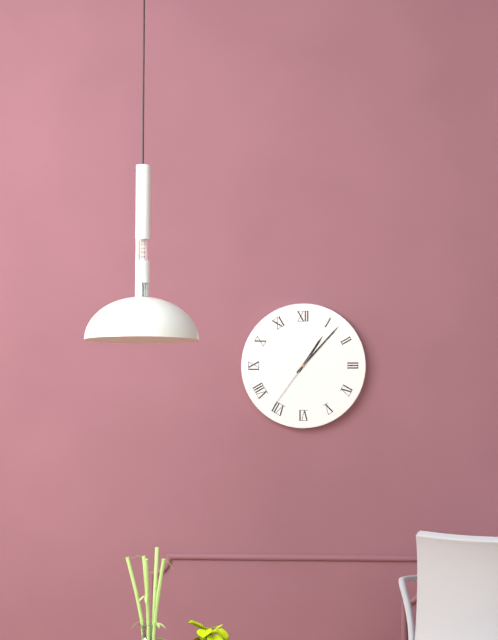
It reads {"hour": 1, "minute": 7, "second": 36}
